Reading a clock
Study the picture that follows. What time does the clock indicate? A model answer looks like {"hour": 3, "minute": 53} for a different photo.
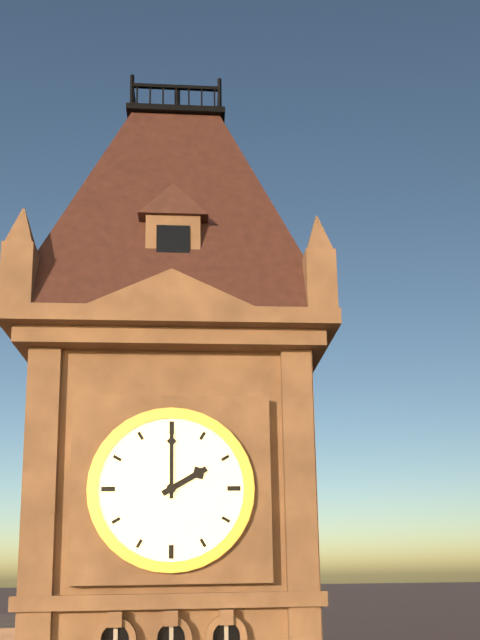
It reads {"hour": 2, "minute": 0}
